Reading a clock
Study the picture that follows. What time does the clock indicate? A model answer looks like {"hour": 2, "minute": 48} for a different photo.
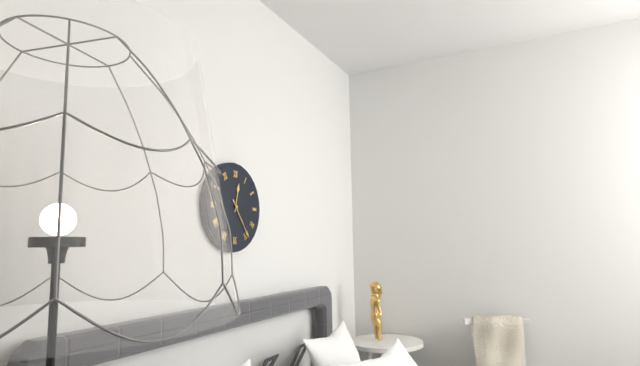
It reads {"hour": 12, "minute": 24}
